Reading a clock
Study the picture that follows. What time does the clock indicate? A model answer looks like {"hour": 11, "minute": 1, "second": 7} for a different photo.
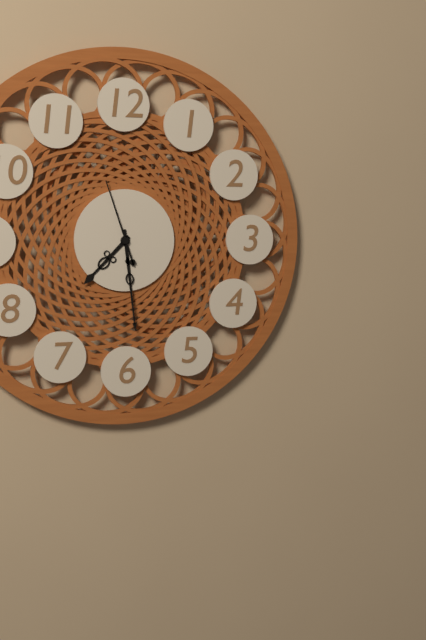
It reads {"hour": 7, "minute": 29, "second": 57}
